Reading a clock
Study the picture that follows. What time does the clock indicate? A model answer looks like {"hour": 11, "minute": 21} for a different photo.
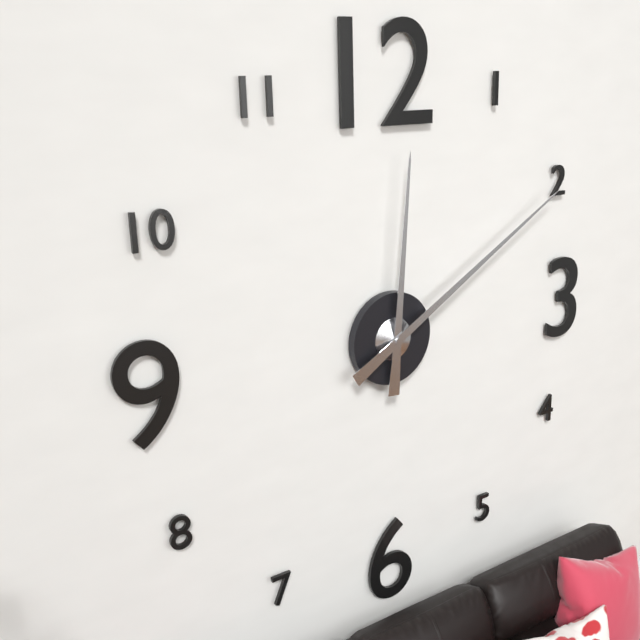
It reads {"hour": 12, "minute": 10}
